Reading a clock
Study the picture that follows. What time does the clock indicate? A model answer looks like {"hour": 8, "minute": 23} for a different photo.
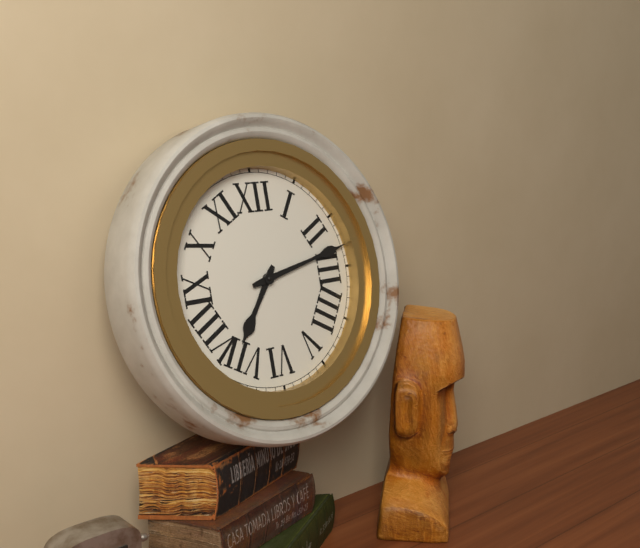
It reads {"hour": 7, "minute": 13}
